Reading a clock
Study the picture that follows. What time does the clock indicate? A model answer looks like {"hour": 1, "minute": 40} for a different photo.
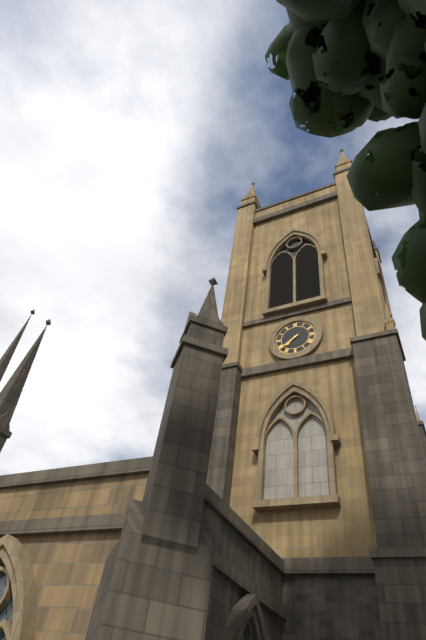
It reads {"hour": 7, "minute": 39}
